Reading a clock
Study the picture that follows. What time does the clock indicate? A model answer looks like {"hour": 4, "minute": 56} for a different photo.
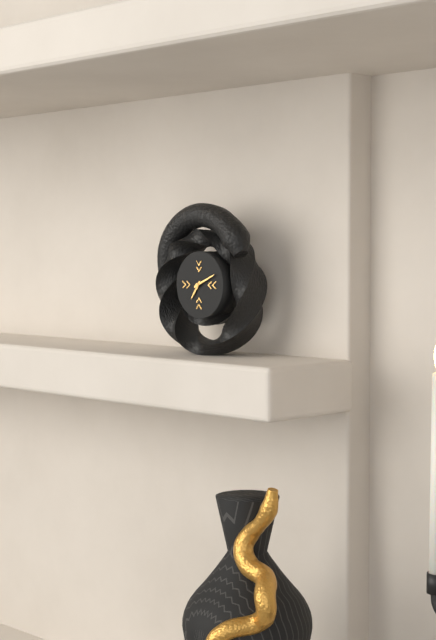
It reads {"hour": 7, "minute": 11}
